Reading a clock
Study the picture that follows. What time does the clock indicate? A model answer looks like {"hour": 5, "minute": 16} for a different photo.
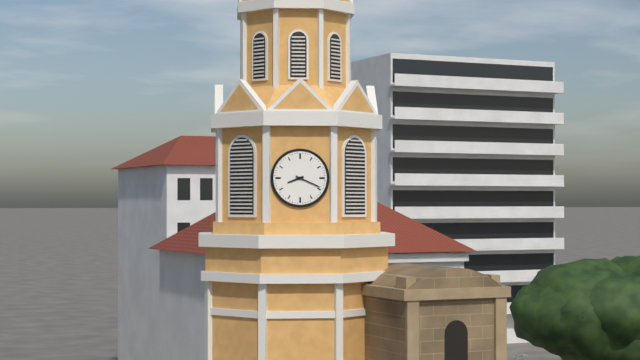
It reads {"hour": 8, "minute": 19}
